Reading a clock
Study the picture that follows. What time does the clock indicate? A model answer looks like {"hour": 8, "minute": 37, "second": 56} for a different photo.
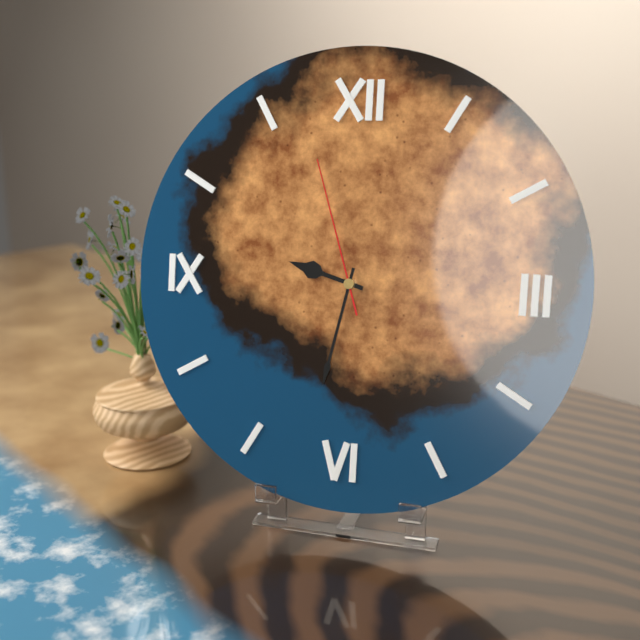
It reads {"hour": 9, "minute": 32, "second": 57}
